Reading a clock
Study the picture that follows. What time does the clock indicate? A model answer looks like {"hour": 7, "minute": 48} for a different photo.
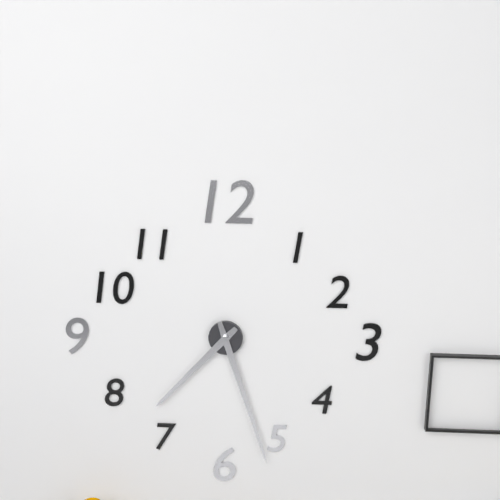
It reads {"hour": 7, "minute": 27}
